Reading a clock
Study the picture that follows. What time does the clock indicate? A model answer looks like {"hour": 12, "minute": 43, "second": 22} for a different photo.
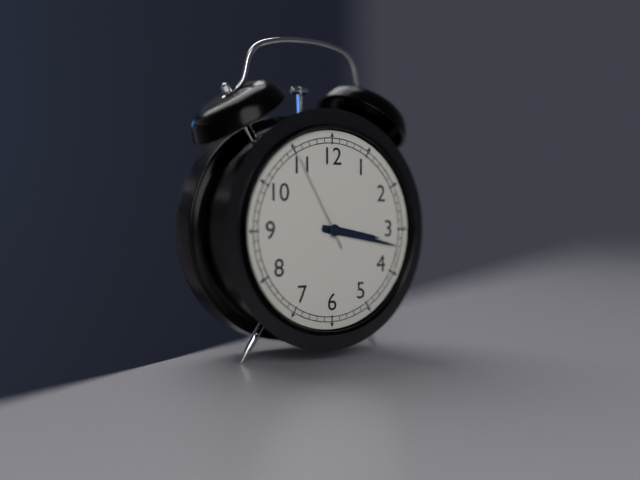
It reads {"hour": 3, "minute": 17, "second": 55}
